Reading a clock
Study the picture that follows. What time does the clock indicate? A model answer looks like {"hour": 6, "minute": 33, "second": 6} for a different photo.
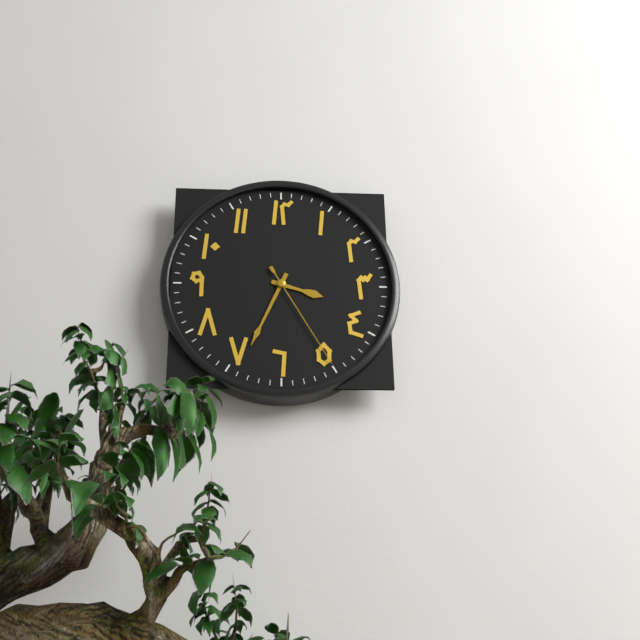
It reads {"hour": 3, "minute": 34, "second": 25}
